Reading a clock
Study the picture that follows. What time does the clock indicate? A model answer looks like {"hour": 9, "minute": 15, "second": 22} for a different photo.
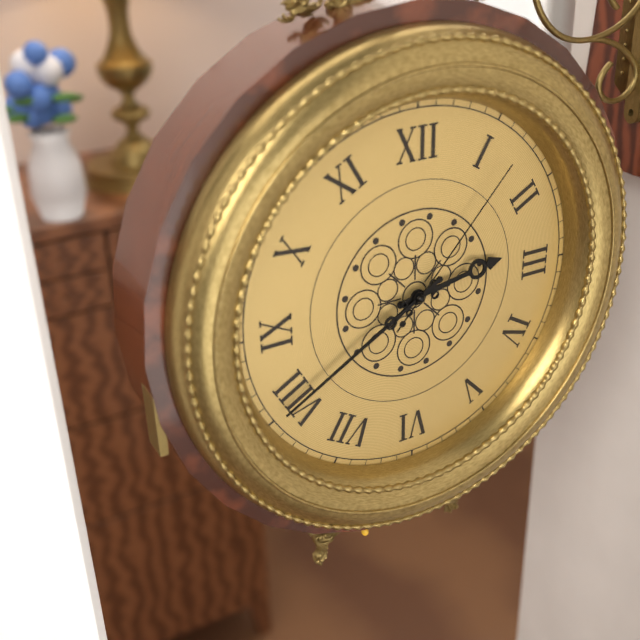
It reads {"hour": 2, "minute": 40, "second": 7}
